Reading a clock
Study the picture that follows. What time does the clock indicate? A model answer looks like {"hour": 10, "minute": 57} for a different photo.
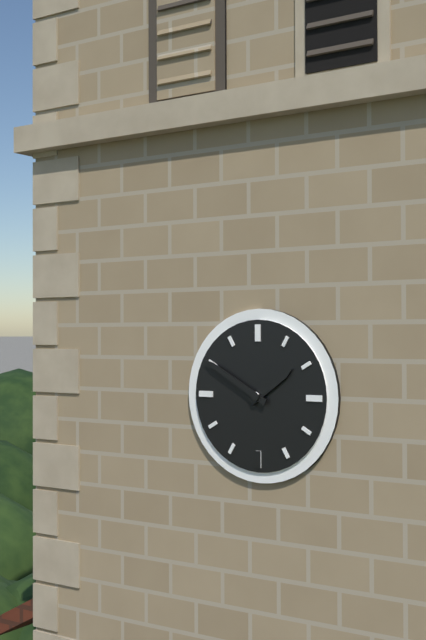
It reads {"hour": 1, "minute": 50}
